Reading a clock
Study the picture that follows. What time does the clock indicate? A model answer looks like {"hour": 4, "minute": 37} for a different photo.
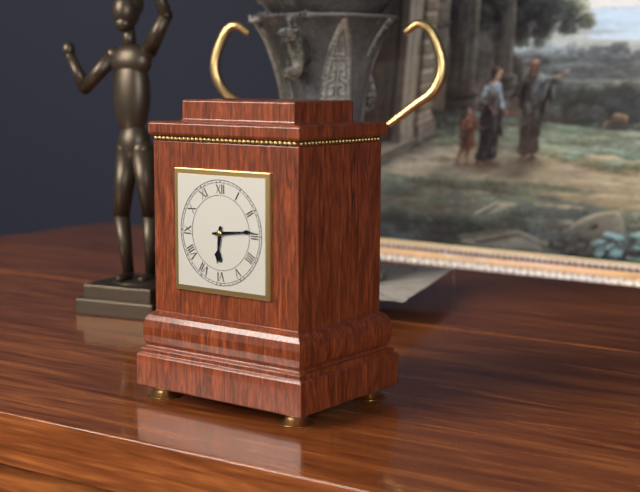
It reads {"hour": 6, "minute": 14}
